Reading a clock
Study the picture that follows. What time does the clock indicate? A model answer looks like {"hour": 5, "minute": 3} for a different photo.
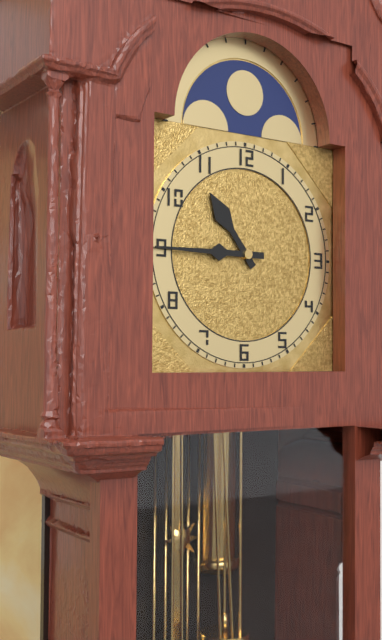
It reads {"hour": 10, "minute": 45}
